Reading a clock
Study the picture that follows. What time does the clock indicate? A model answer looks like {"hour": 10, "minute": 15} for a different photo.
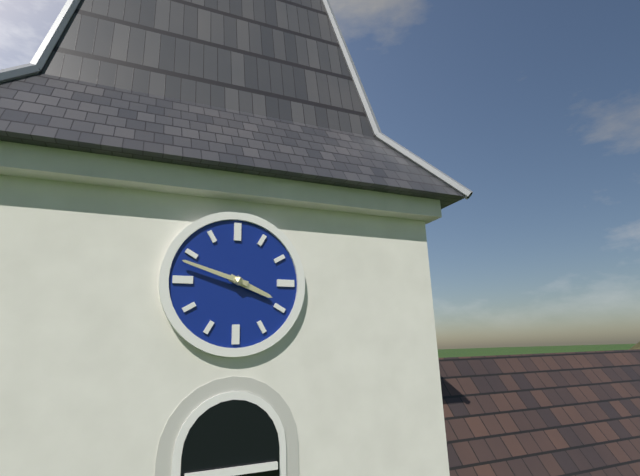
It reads {"hour": 3, "minute": 48}
